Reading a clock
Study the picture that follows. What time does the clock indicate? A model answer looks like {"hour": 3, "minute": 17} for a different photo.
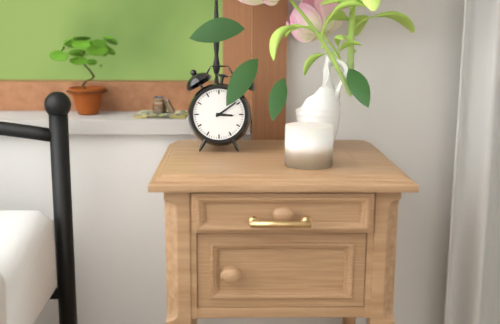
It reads {"hour": 3, "minute": 9}
